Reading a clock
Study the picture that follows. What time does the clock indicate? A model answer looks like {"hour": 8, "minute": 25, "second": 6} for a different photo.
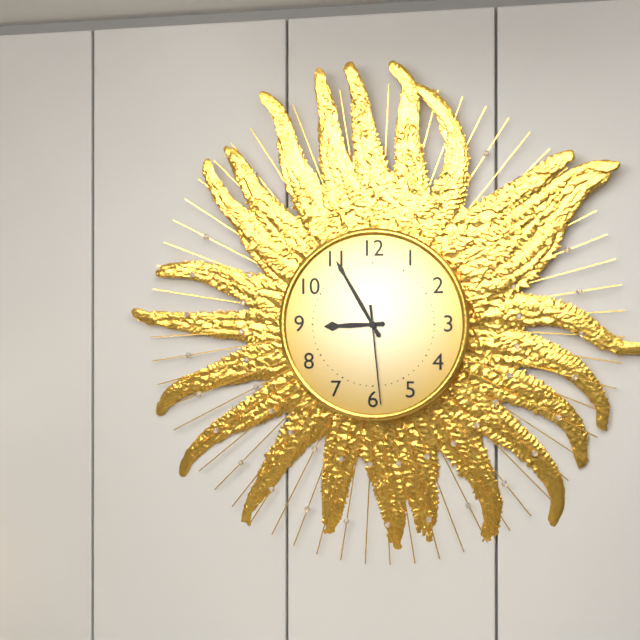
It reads {"hour": 8, "minute": 55, "second": 29}
